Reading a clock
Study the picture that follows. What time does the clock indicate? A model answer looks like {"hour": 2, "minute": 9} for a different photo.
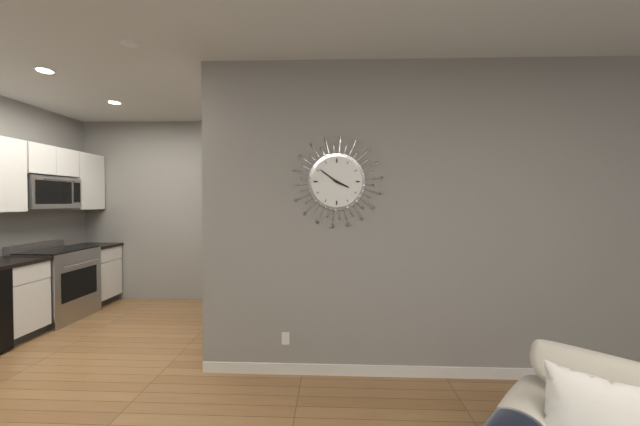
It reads {"hour": 3, "minute": 51}
